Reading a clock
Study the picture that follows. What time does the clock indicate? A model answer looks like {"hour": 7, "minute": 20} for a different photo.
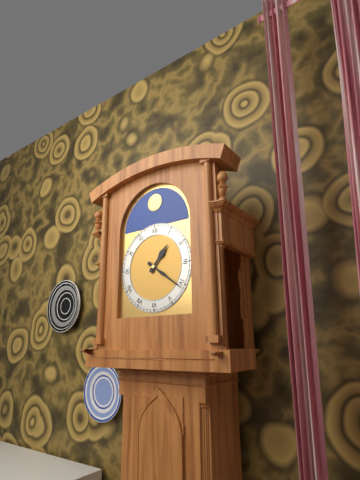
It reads {"hour": 1, "minute": 21}
